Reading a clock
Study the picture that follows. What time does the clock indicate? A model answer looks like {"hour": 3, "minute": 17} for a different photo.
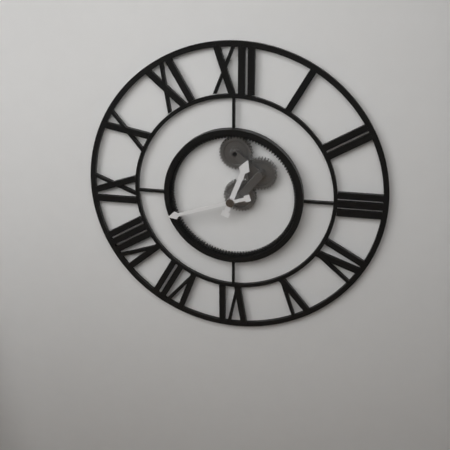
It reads {"hour": 12, "minute": 42}
